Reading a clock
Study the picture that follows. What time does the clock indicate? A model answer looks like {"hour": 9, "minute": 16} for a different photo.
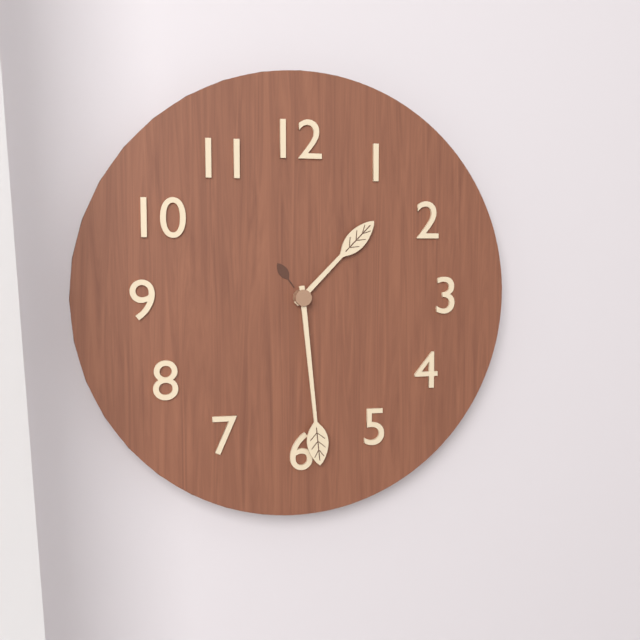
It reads {"hour": 1, "minute": 29}
